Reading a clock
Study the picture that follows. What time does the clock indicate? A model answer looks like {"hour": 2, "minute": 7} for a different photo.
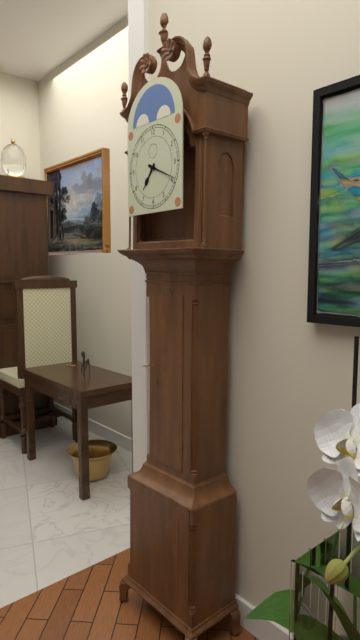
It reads {"hour": 7, "minute": 19}
